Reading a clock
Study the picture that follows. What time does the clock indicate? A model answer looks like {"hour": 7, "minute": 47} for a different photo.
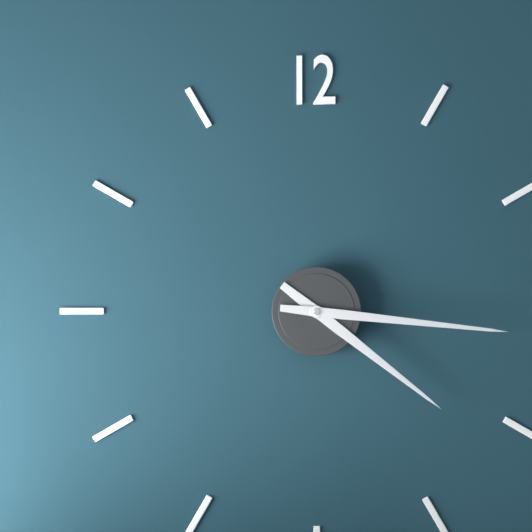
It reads {"hour": 4, "minute": 16}
